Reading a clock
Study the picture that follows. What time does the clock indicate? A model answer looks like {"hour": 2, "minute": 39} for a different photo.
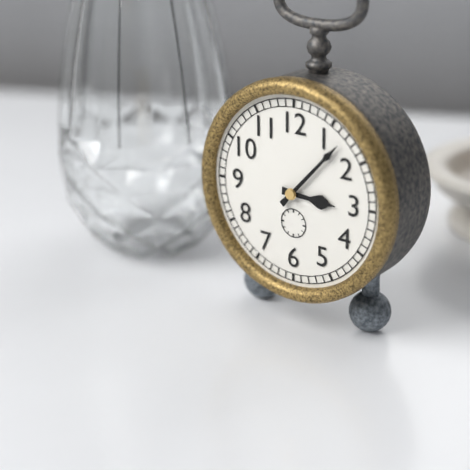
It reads {"hour": 3, "minute": 7}
